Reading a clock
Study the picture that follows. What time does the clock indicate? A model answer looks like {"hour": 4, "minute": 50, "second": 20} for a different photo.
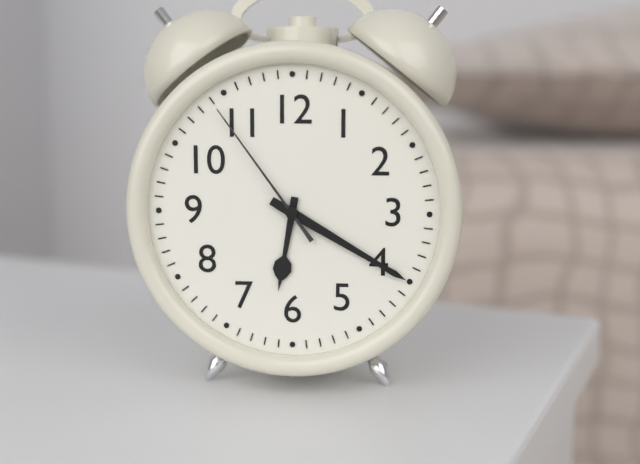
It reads {"hour": 6, "minute": 20, "second": 54}
